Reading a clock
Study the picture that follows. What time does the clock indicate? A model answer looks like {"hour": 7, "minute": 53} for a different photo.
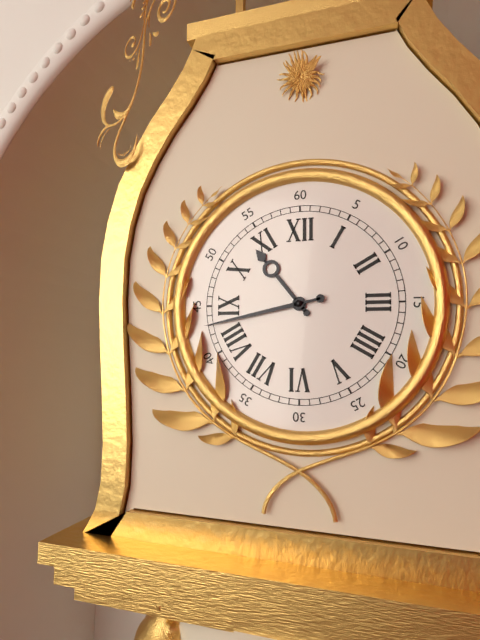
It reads {"hour": 10, "minute": 43}
